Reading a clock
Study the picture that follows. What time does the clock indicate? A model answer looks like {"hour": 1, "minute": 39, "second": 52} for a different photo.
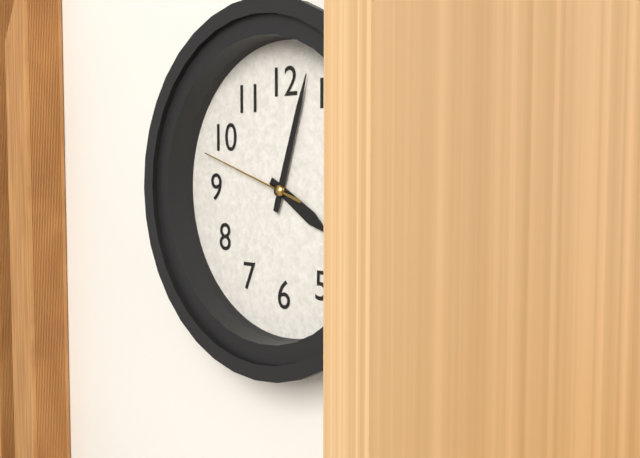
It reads {"hour": 4, "minute": 3, "second": 48}
